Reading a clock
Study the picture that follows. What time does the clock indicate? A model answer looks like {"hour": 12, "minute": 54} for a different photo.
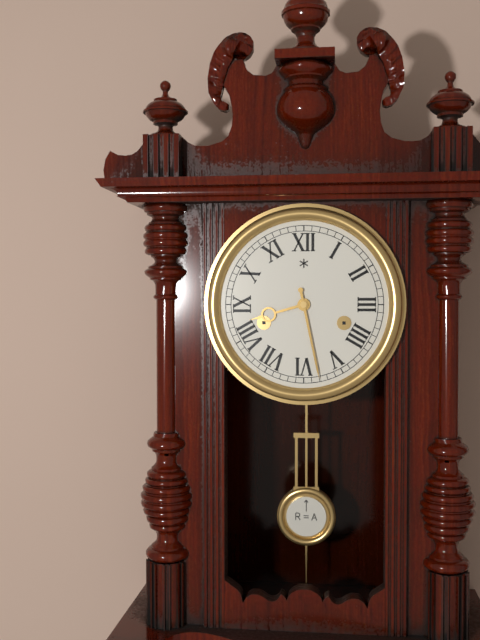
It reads {"hour": 8, "minute": 28}
